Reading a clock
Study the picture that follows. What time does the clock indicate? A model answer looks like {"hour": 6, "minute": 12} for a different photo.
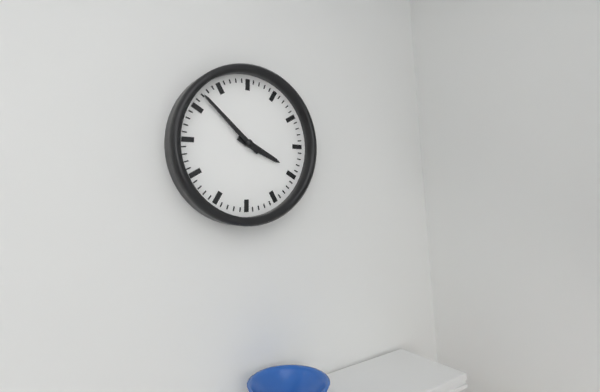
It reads {"hour": 3, "minute": 52}
